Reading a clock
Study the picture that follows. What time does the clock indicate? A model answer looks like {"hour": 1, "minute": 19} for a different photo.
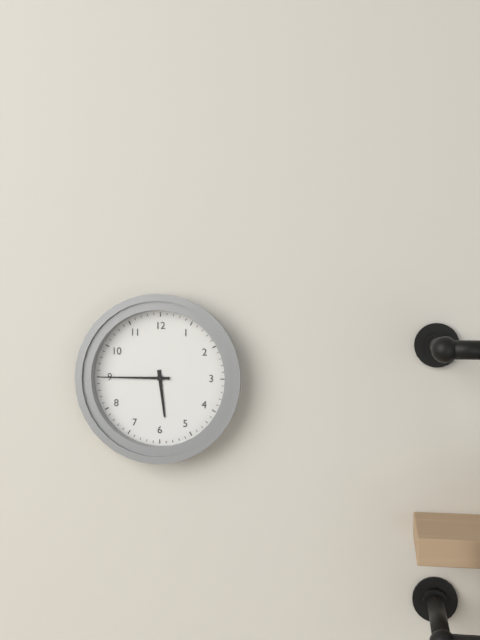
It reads {"hour": 5, "minute": 45}
